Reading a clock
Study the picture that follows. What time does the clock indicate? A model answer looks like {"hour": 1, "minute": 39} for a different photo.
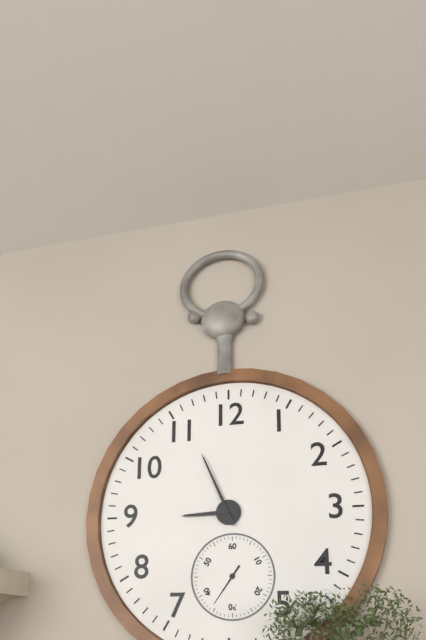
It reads {"hour": 8, "minute": 56}
